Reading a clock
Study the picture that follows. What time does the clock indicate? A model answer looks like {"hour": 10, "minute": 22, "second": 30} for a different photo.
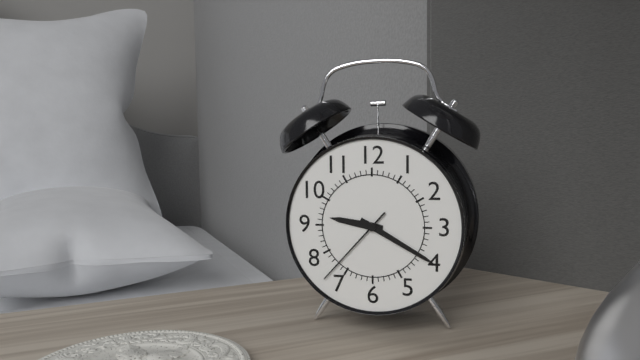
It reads {"hour": 9, "minute": 20, "second": 37}
